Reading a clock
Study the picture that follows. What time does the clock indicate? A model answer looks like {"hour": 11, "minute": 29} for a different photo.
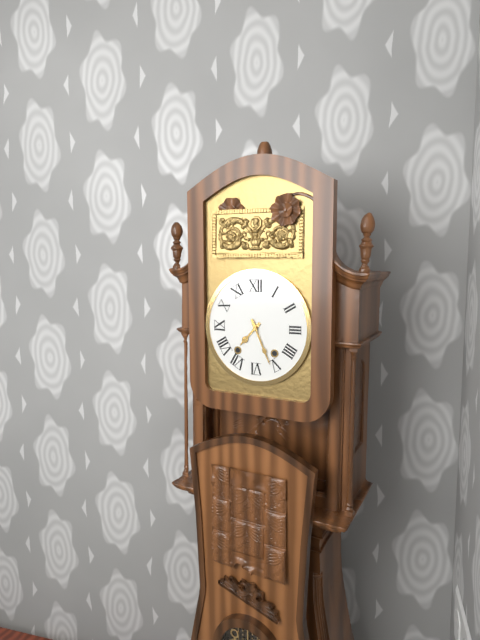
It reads {"hour": 7, "minute": 26}
